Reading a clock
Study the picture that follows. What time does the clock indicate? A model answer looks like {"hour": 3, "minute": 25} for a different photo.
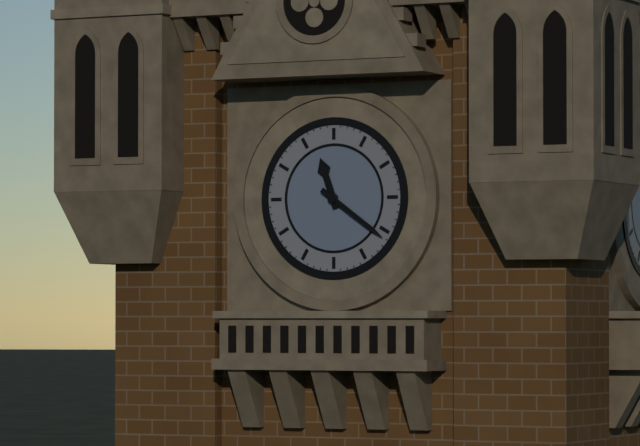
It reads {"hour": 11, "minute": 21}
